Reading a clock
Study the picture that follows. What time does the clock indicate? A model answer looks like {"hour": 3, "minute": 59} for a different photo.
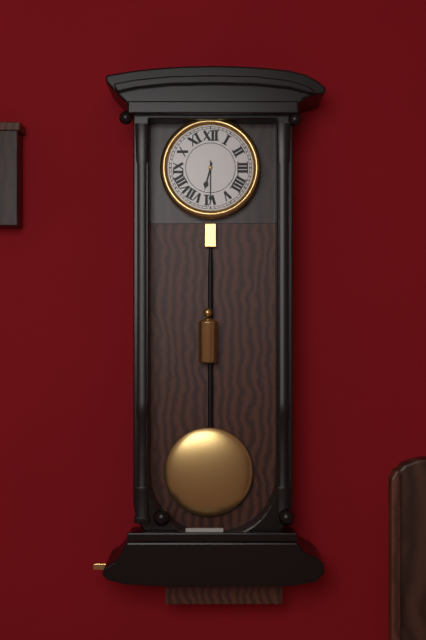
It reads {"hour": 6, "minute": 30}
